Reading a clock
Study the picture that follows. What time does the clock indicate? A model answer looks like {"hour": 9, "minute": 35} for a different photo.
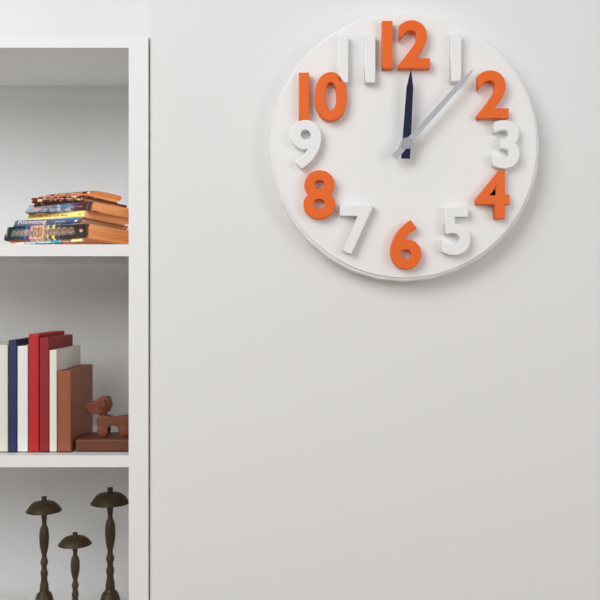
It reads {"hour": 12, "minute": 7}
